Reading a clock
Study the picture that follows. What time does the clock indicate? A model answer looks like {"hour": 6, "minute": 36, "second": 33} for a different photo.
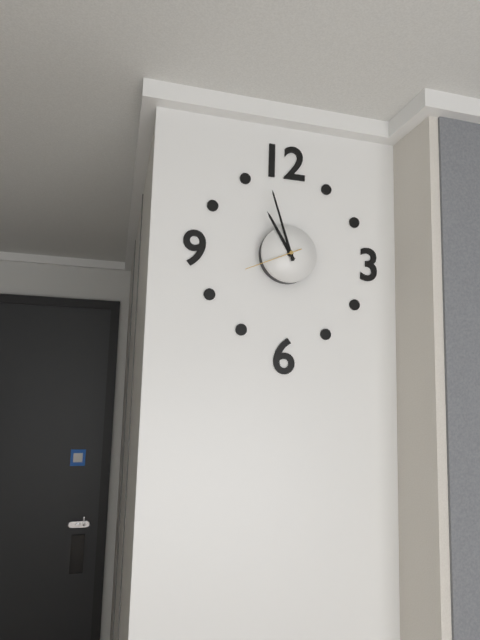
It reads {"hour": 10, "minute": 57, "second": 41}
